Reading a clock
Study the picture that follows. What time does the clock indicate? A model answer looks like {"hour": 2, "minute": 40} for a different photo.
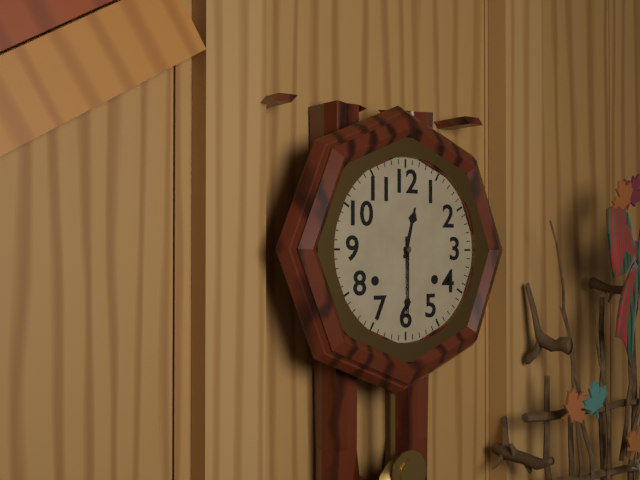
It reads {"hour": 12, "minute": 30}
